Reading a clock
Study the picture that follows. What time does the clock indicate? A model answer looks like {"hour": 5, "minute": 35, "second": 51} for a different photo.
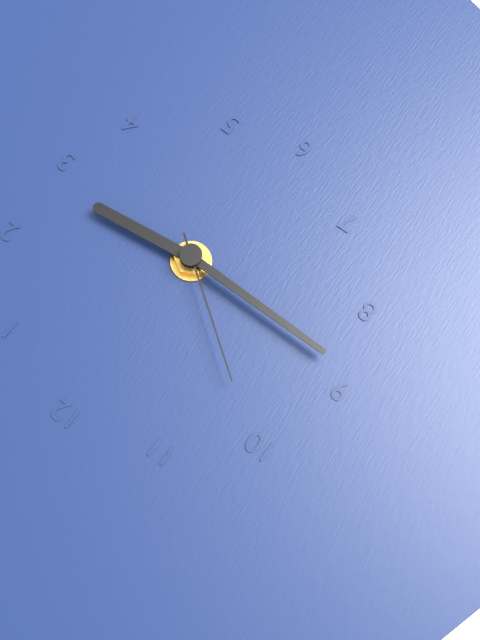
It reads {"hour": 2, "minute": 45, "second": 51}
